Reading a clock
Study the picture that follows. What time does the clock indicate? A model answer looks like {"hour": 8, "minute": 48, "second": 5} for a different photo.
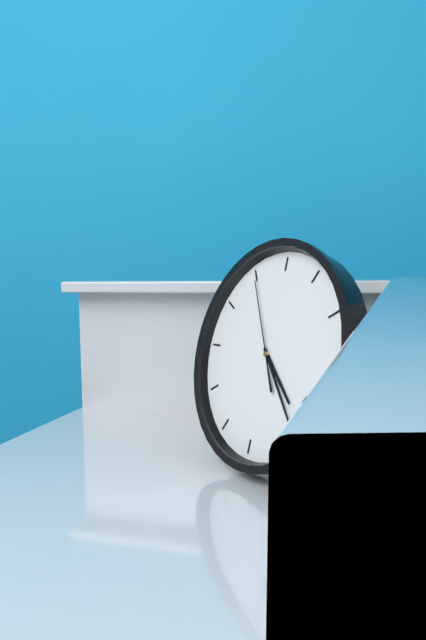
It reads {"hour": 4, "minute": 23, "second": 55}
